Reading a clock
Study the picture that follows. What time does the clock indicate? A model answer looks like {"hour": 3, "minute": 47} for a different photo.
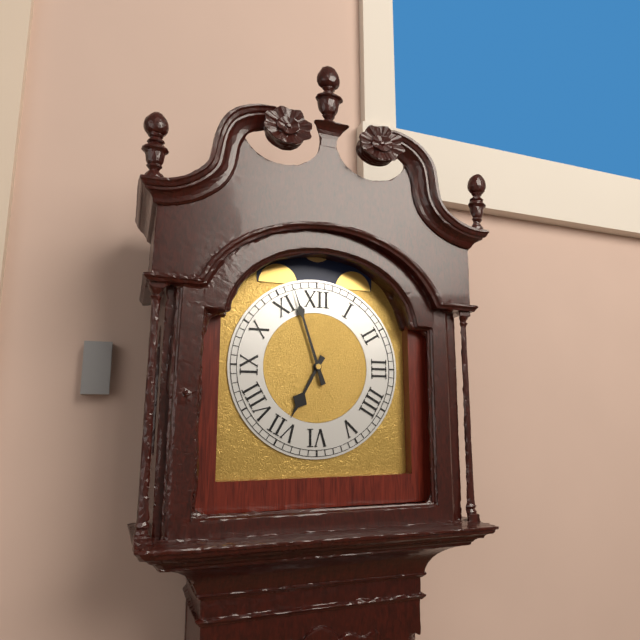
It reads {"hour": 6, "minute": 57}
